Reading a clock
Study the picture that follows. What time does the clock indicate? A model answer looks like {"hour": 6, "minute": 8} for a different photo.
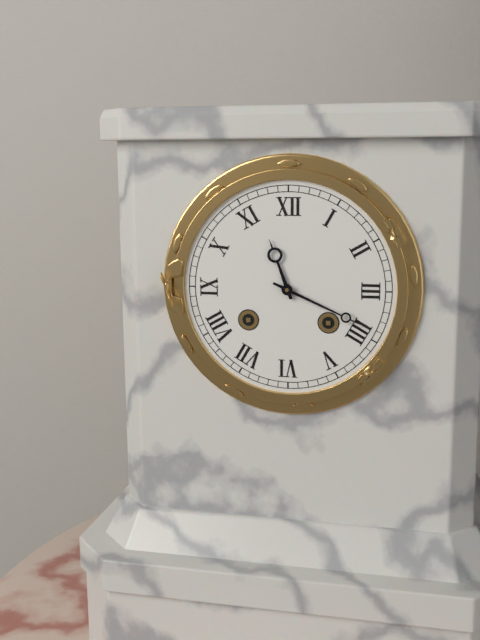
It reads {"hour": 11, "minute": 19}
